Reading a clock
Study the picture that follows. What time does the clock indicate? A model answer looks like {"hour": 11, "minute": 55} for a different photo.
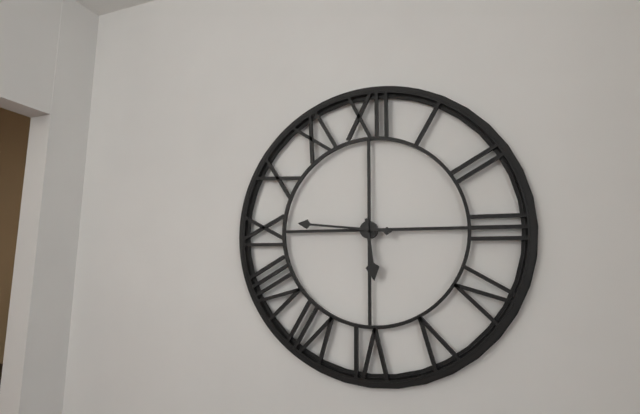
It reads {"hour": 5, "minute": 46}
